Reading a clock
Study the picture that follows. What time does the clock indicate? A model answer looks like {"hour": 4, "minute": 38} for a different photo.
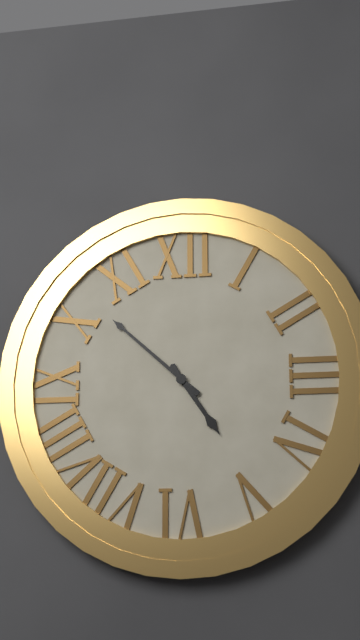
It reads {"hour": 4, "minute": 52}
